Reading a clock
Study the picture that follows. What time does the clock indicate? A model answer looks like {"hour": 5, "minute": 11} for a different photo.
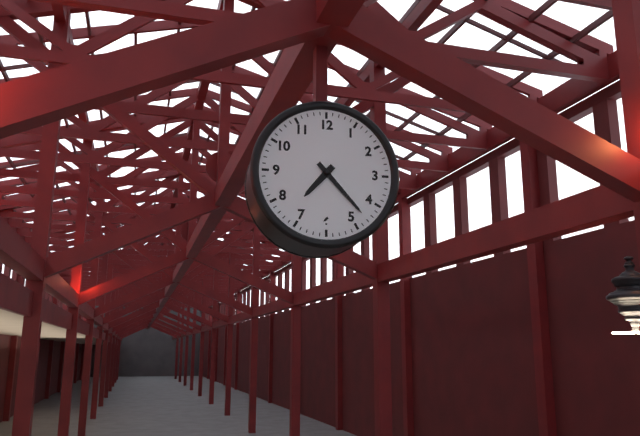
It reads {"hour": 7, "minute": 23}
